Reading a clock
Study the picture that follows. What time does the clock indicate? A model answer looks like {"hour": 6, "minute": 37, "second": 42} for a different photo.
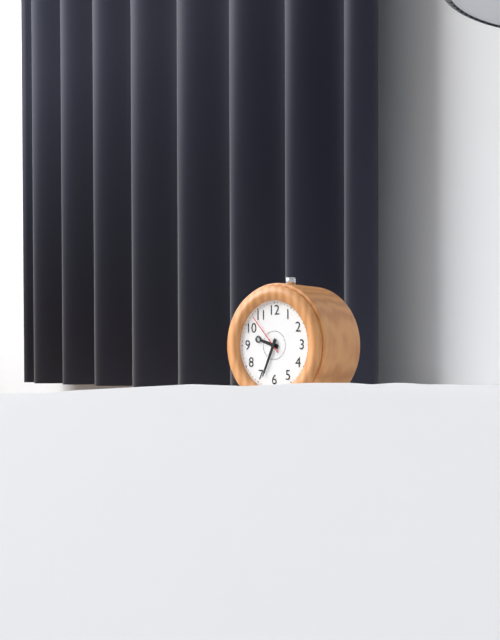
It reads {"hour": 9, "minute": 34, "second": 53}
